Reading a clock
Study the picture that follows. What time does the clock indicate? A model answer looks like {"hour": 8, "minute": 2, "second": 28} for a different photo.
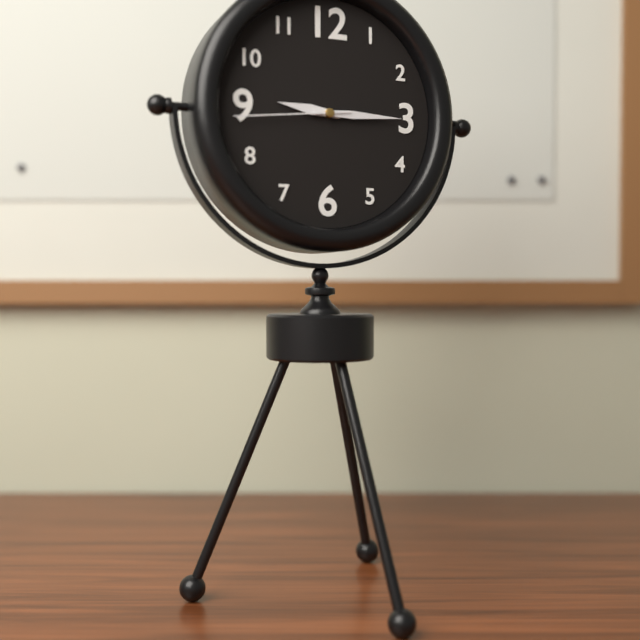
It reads {"hour": 9, "minute": 15, "second": 44}
